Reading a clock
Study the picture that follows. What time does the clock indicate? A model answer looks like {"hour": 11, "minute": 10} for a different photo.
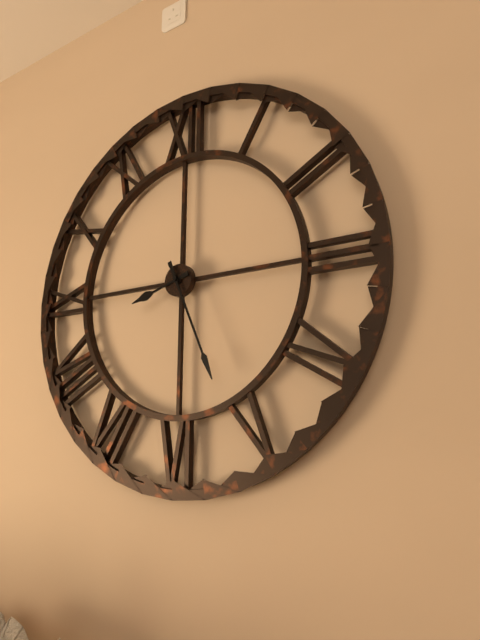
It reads {"hour": 8, "minute": 26}
